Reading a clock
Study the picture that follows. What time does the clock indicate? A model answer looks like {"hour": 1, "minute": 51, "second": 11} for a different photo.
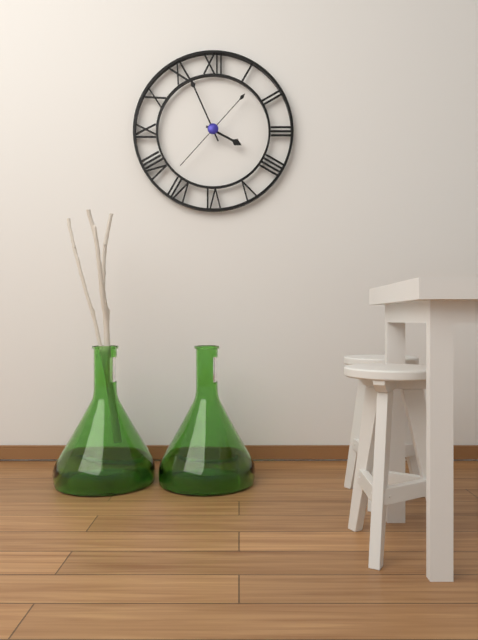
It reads {"hour": 3, "minute": 56, "second": 37}
